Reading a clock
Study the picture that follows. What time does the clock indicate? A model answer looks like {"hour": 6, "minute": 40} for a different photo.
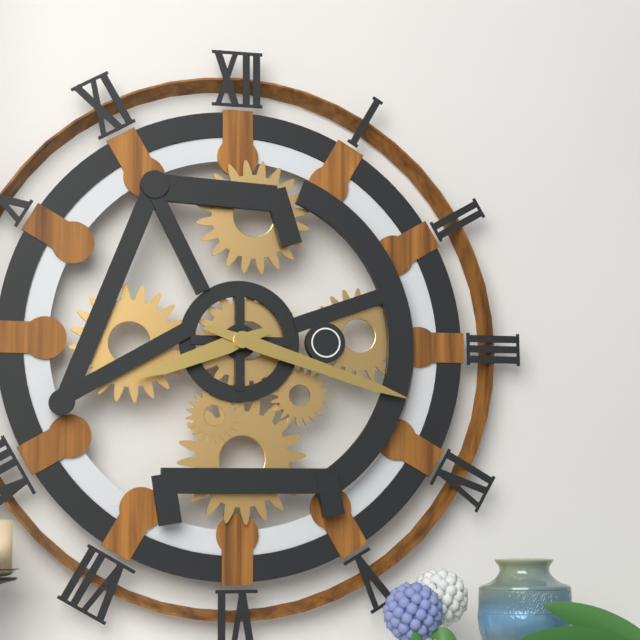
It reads {"hour": 8, "minute": 18}
